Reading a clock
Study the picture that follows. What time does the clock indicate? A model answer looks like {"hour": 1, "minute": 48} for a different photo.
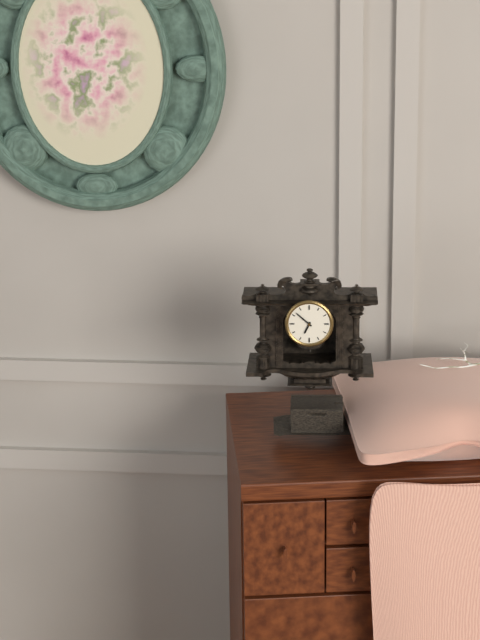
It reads {"hour": 6, "minute": 52}
